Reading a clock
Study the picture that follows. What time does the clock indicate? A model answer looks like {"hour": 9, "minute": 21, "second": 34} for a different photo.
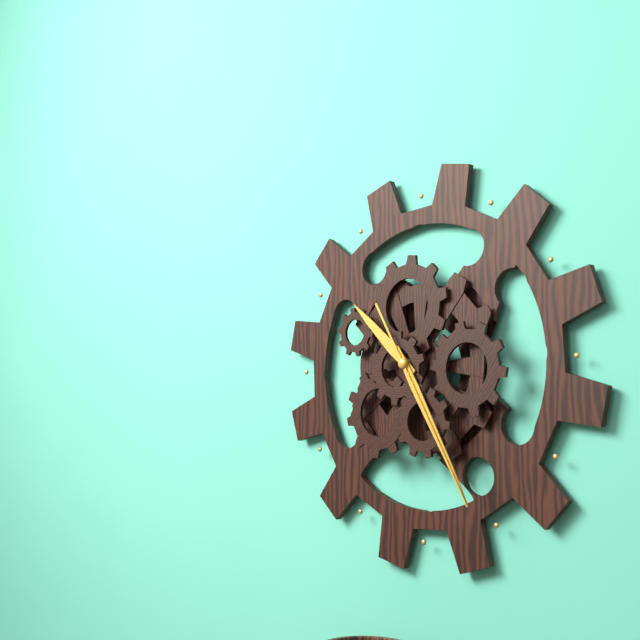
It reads {"hour": 10, "minute": 25, "second": 25}
